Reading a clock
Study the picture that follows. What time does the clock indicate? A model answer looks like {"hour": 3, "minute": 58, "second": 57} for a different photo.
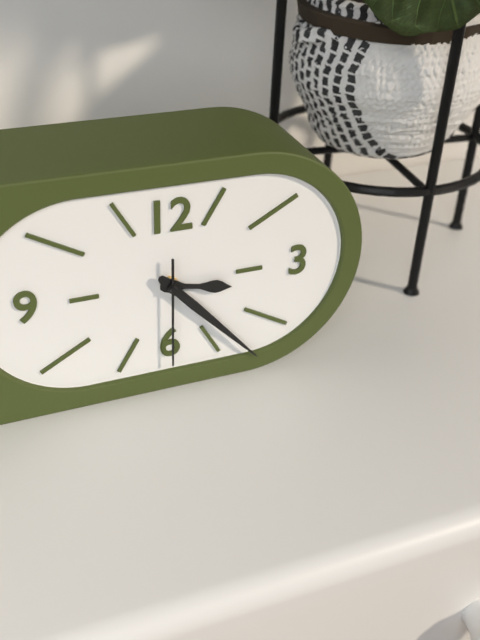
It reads {"hour": 3, "minute": 23, "second": 30}
